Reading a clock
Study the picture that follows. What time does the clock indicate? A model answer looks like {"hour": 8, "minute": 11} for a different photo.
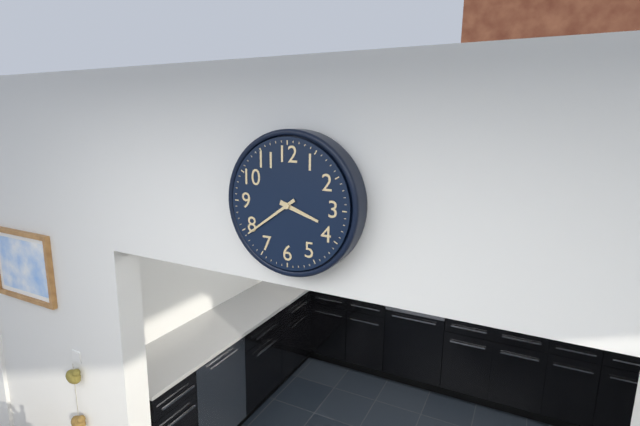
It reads {"hour": 3, "minute": 39}
